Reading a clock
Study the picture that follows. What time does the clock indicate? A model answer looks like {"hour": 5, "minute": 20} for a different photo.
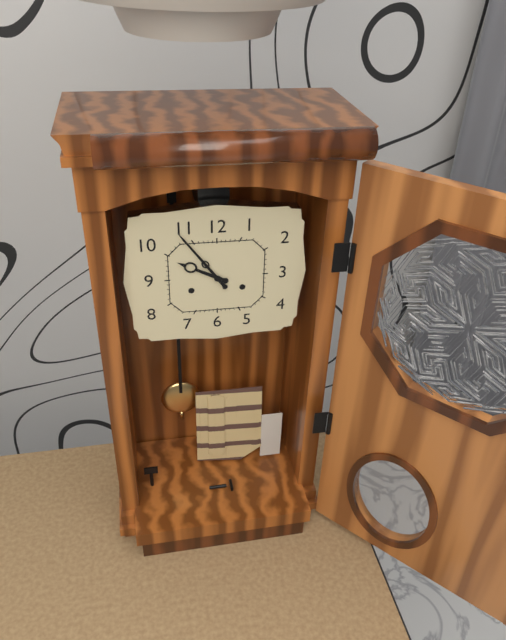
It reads {"hour": 9, "minute": 54}
